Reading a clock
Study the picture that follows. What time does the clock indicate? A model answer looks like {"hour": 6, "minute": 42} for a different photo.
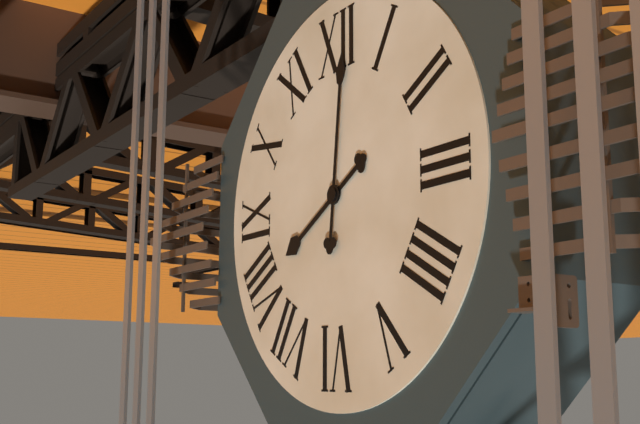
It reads {"hour": 8, "minute": 1}
